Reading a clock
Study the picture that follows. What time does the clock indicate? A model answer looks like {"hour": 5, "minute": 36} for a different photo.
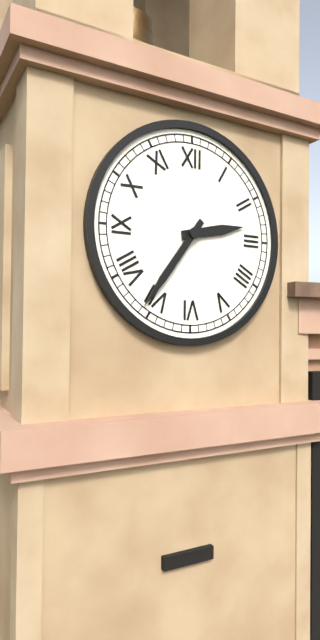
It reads {"hour": 2, "minute": 36}
